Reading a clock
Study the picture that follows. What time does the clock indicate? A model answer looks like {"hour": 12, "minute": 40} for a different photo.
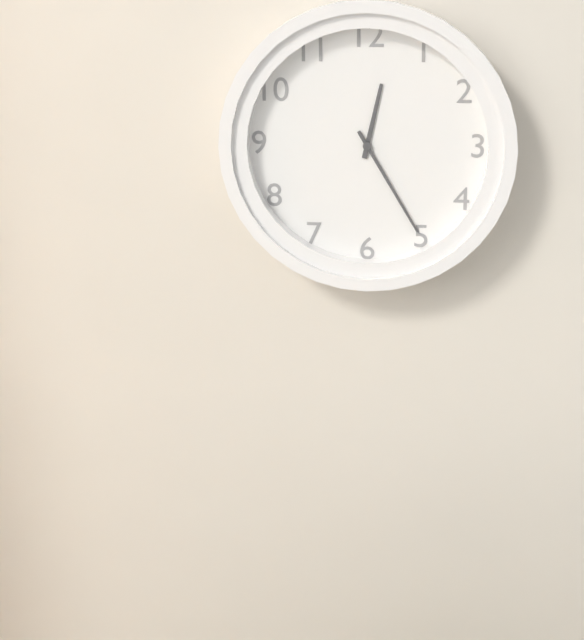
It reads {"hour": 12, "minute": 25}
